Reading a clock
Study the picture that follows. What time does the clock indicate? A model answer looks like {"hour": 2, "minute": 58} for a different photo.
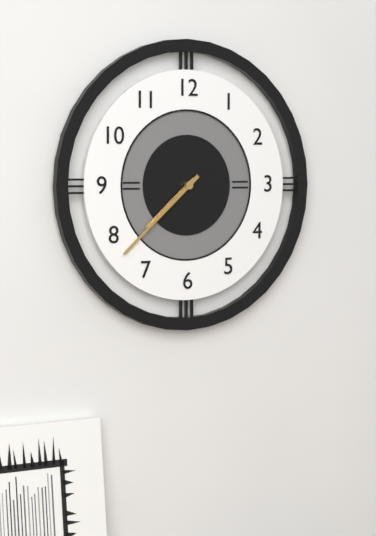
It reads {"hour": 7, "minute": 38}
